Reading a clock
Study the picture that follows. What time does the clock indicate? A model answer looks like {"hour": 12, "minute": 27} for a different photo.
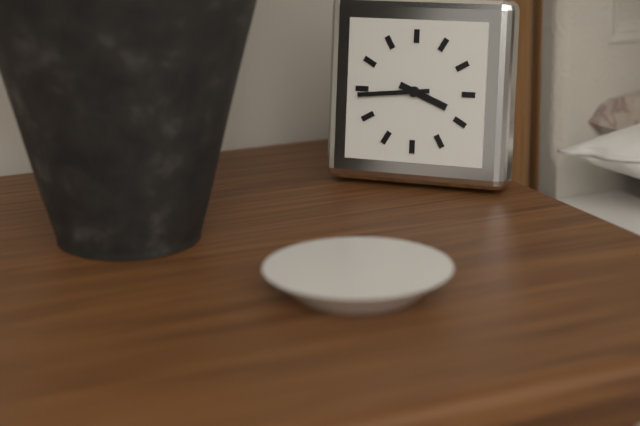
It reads {"hour": 3, "minute": 44}
